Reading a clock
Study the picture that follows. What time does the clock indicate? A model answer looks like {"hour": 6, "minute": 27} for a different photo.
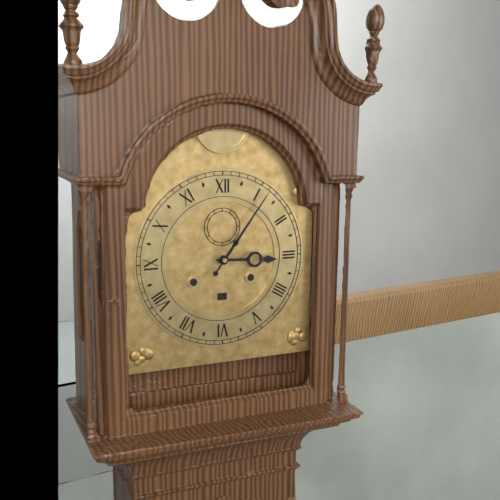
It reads {"hour": 3, "minute": 6}
